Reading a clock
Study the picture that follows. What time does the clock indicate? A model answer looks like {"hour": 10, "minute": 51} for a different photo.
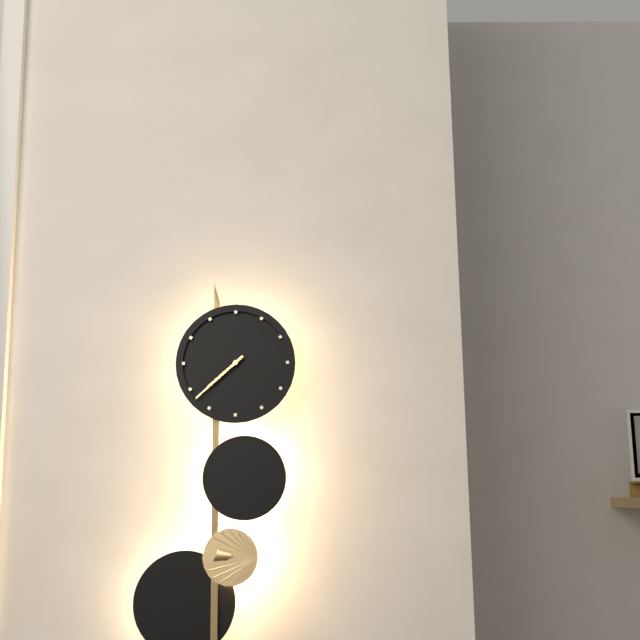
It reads {"hour": 7, "minute": 38}
